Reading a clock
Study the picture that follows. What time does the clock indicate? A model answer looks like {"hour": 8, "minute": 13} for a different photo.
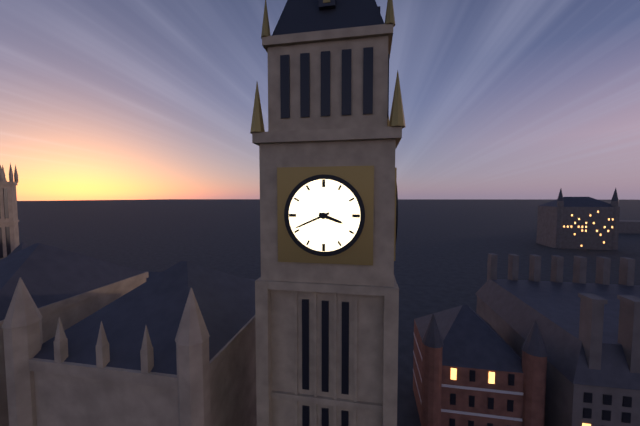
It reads {"hour": 3, "minute": 41}
